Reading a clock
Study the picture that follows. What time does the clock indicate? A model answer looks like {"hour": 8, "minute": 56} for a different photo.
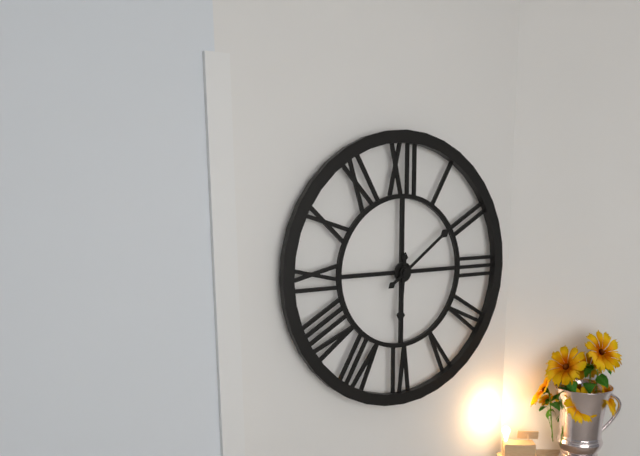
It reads {"hour": 6, "minute": 9}
